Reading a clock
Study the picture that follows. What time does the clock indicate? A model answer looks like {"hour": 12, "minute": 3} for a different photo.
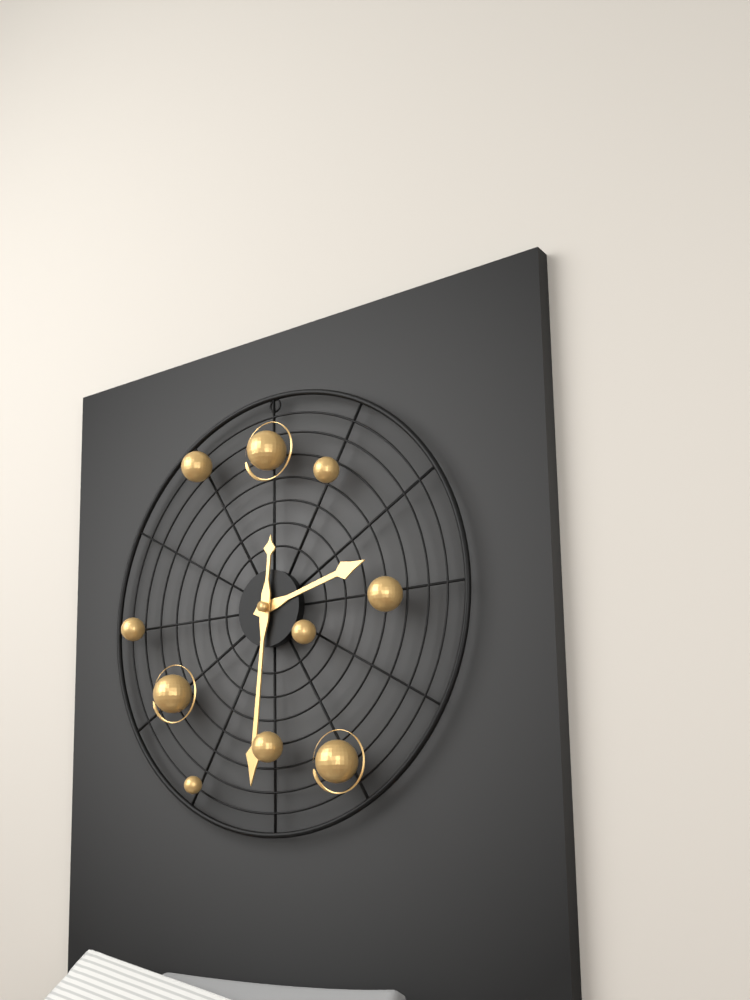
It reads {"hour": 2, "minute": 31}
